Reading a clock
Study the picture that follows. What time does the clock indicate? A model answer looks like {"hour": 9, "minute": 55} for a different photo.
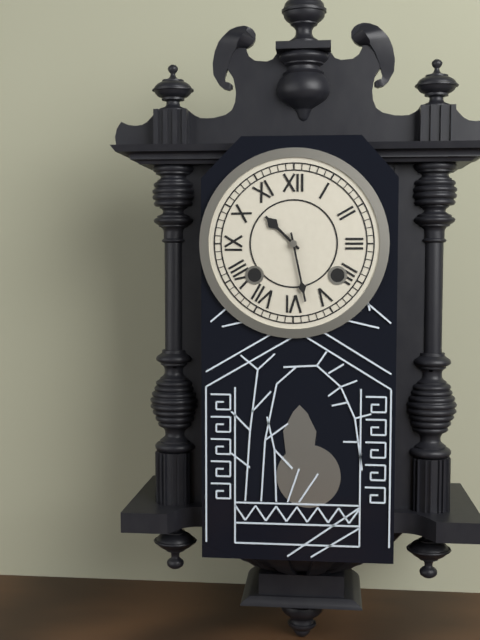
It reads {"hour": 10, "minute": 28}
